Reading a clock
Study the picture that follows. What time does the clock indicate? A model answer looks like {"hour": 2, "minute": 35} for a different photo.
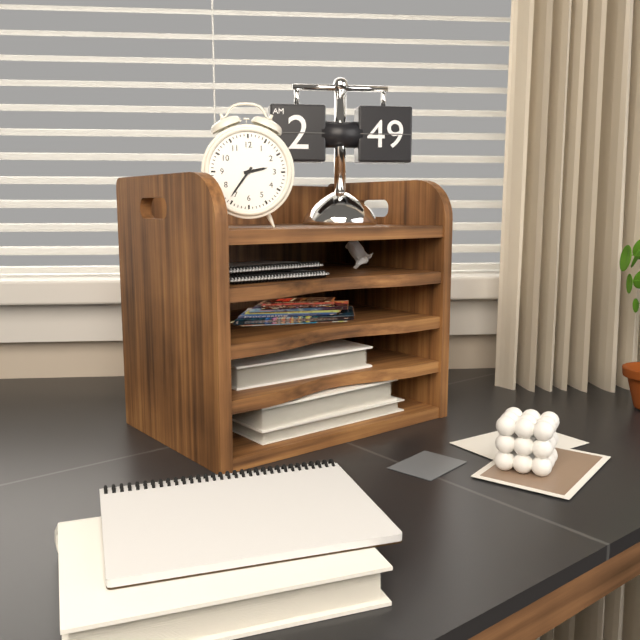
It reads {"hour": 2, "minute": 36}
